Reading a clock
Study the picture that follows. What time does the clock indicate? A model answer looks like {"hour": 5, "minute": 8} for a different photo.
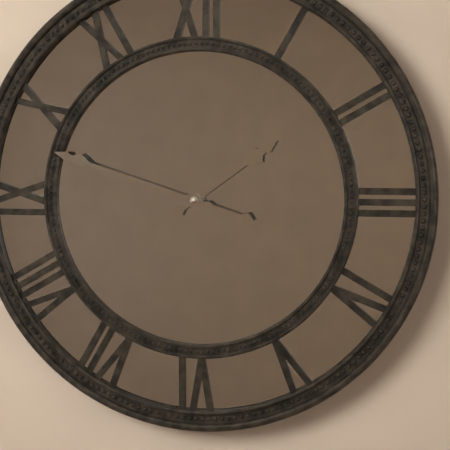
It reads {"hour": 1, "minute": 48}
